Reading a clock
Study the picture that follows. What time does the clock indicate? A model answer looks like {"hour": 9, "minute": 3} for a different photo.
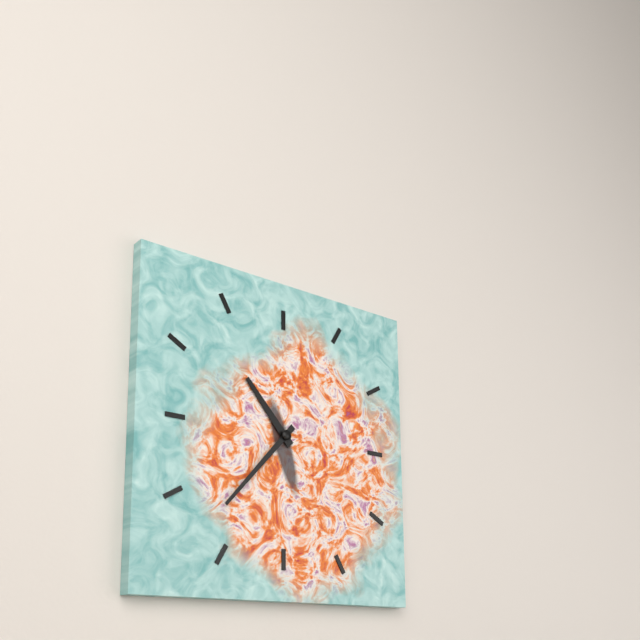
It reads {"hour": 10, "minute": 37}
